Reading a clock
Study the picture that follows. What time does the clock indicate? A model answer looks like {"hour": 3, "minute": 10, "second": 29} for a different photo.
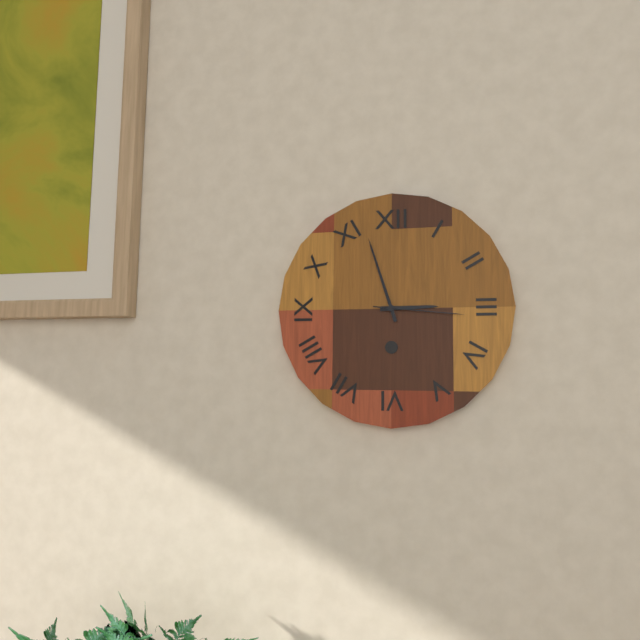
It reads {"hour": 2, "minute": 57, "second": 16}
